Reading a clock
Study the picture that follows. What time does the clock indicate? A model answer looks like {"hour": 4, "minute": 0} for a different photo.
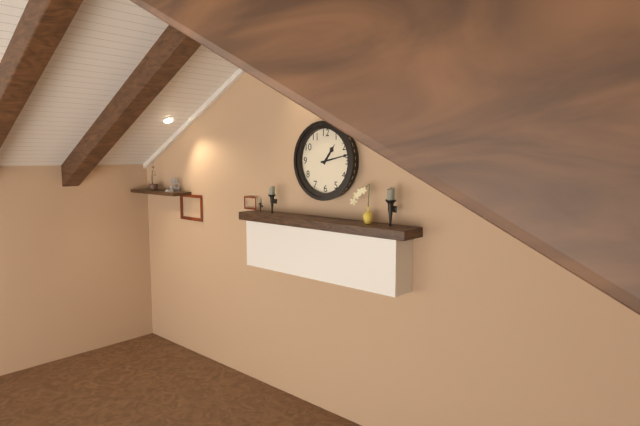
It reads {"hour": 1, "minute": 13}
